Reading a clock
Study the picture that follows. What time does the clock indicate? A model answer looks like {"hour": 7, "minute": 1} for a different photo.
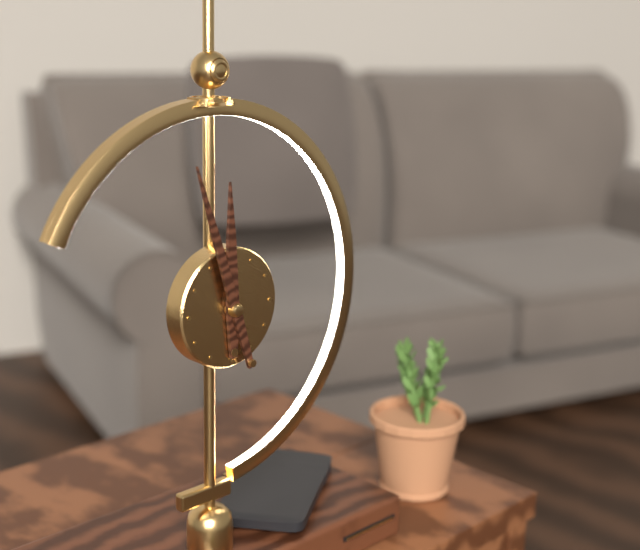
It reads {"hour": 11, "minute": 57}
